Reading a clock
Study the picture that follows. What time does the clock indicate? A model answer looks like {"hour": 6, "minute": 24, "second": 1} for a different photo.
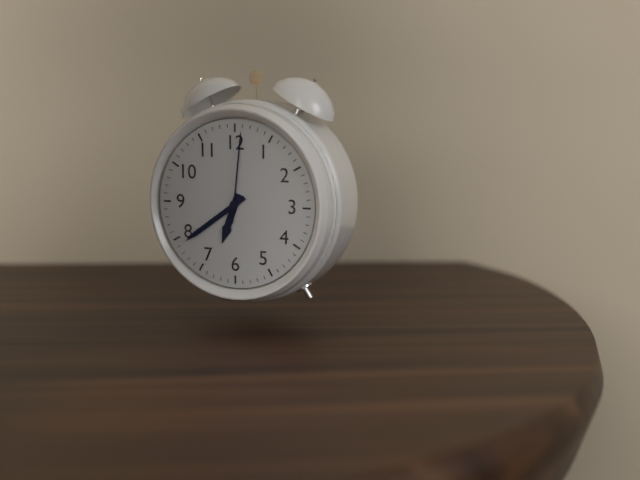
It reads {"hour": 6, "minute": 39, "second": 1}
